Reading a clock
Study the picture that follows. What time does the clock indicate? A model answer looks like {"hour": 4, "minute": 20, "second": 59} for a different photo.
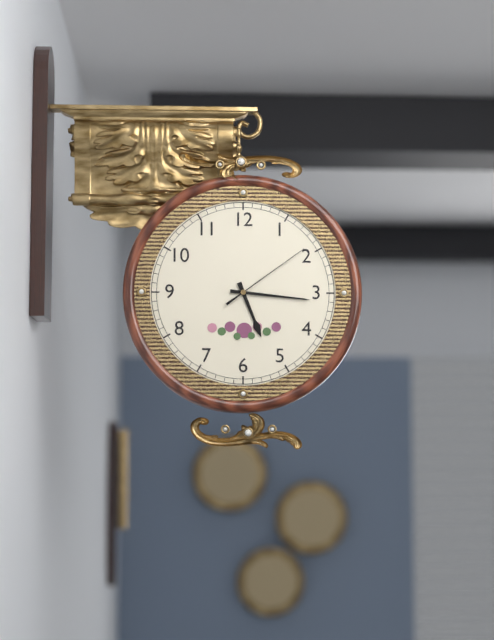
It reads {"hour": 5, "minute": 16, "second": 9}
